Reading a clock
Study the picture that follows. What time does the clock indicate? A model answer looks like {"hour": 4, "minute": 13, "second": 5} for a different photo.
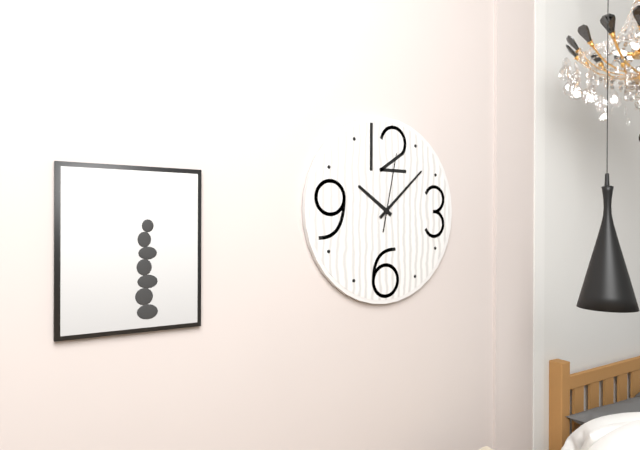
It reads {"hour": 10, "minute": 8, "second": 2}
